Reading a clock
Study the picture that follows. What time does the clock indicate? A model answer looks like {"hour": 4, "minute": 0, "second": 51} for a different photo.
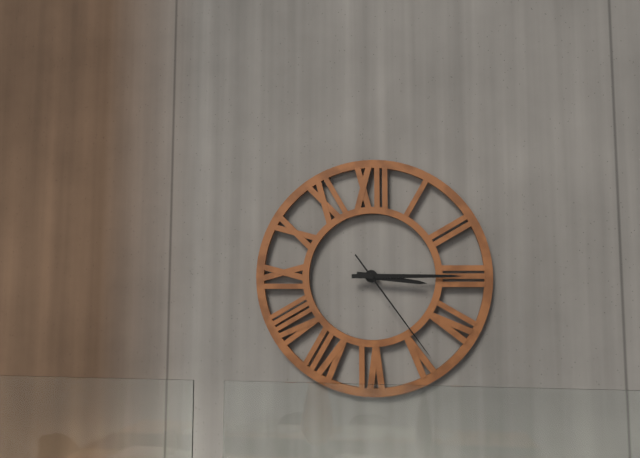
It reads {"hour": 3, "minute": 15, "second": 24}
